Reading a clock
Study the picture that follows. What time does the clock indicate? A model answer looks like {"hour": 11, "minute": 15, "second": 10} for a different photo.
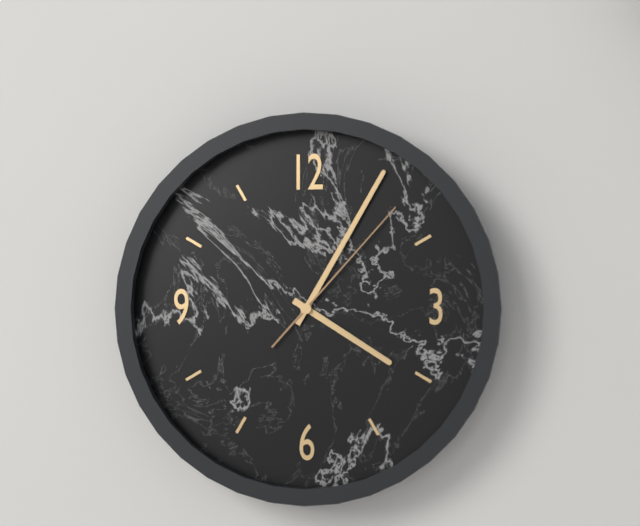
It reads {"hour": 4, "minute": 5, "second": 7}
